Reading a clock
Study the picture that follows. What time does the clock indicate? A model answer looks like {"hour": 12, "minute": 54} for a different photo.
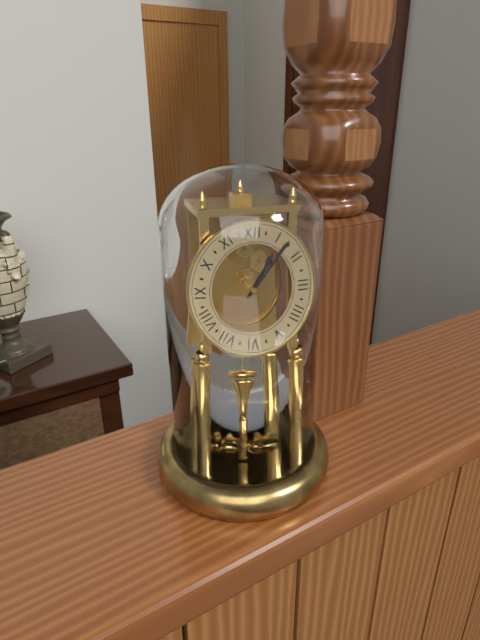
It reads {"hour": 1, "minute": 7}
